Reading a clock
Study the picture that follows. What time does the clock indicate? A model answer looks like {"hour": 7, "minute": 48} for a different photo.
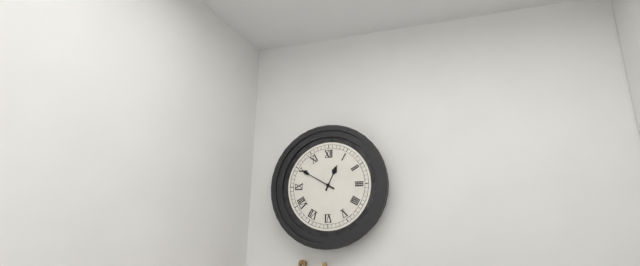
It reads {"hour": 12, "minute": 50}
